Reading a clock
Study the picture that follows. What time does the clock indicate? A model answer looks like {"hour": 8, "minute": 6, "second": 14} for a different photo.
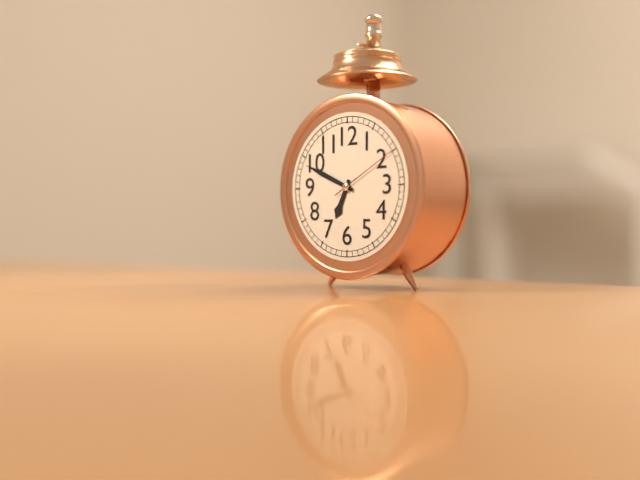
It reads {"hour": 6, "minute": 49, "second": 10}
